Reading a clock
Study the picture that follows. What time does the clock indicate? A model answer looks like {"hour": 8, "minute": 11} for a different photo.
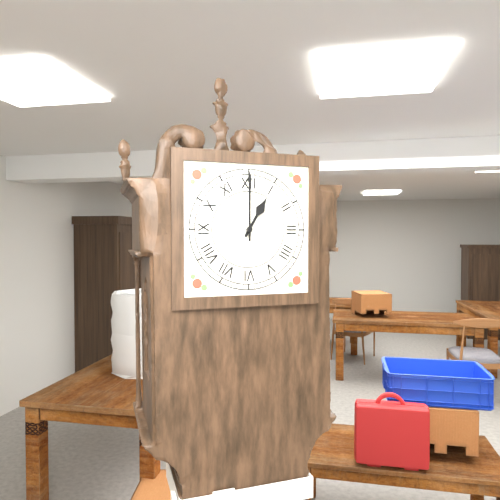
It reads {"hour": 1, "minute": 0}
